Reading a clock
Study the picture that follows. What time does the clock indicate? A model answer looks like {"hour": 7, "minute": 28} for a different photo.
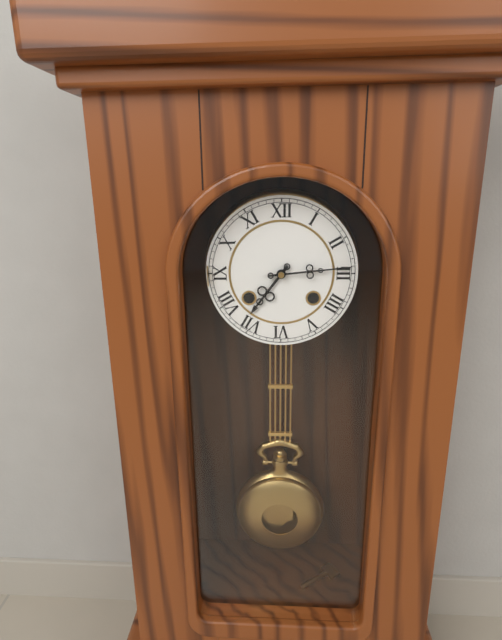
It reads {"hour": 7, "minute": 14}
